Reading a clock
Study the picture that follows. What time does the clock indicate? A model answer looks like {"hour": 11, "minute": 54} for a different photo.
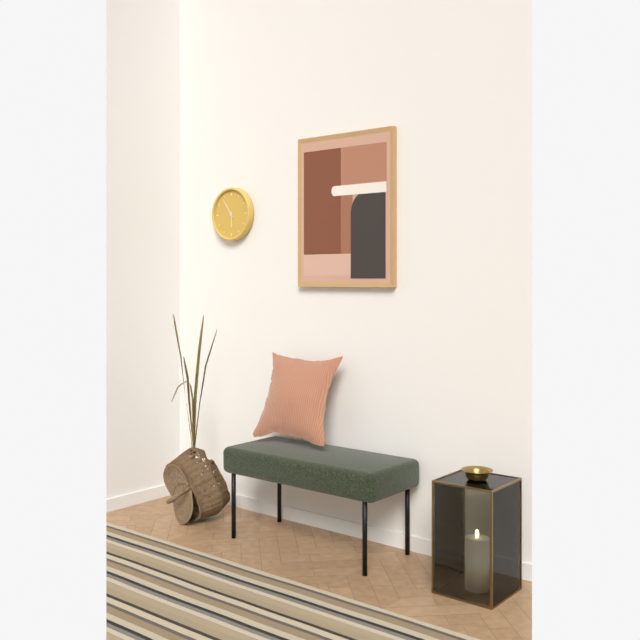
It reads {"hour": 5, "minute": 54}
